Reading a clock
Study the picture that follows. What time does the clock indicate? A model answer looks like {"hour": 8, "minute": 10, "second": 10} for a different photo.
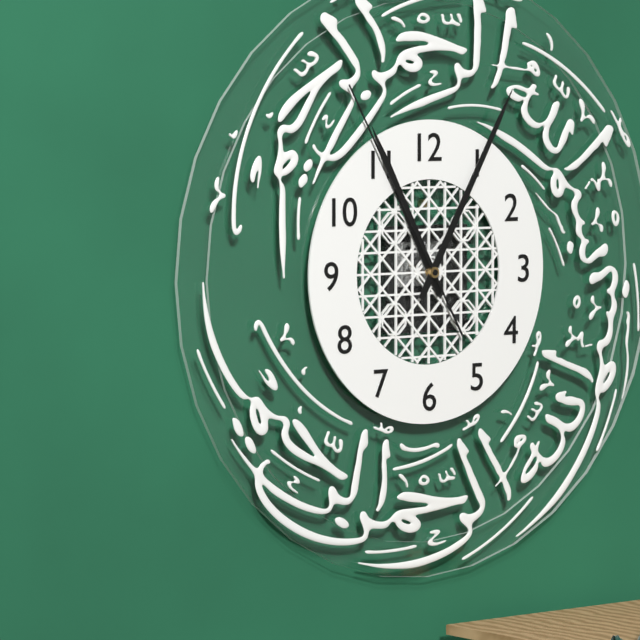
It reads {"hour": 11, "minute": 5, "second": 55}
